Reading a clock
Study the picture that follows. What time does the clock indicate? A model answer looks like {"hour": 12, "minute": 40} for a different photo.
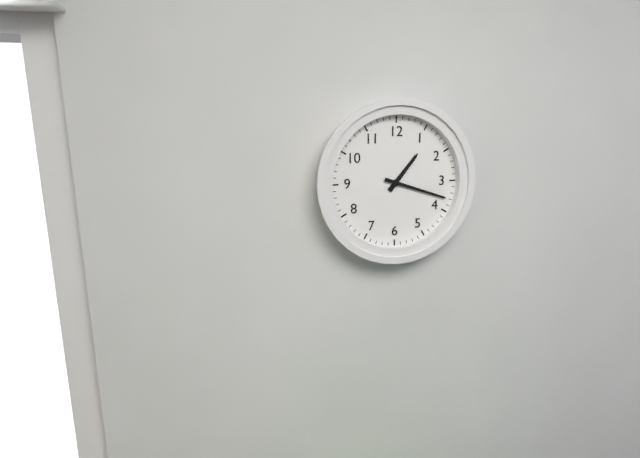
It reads {"hour": 1, "minute": 18}
